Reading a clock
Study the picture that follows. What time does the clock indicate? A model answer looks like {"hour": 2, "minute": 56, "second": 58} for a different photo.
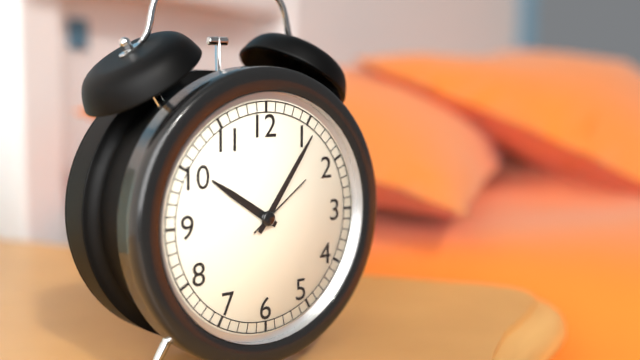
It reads {"hour": 10, "minute": 6, "second": 9}
